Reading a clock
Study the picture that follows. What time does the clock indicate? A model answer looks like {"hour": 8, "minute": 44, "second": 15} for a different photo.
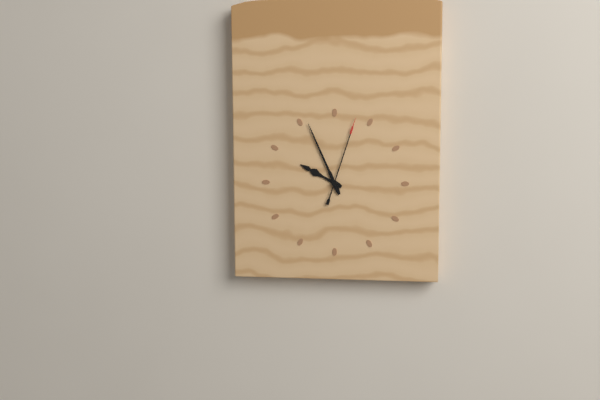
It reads {"hour": 9, "minute": 56, "second": 3}
